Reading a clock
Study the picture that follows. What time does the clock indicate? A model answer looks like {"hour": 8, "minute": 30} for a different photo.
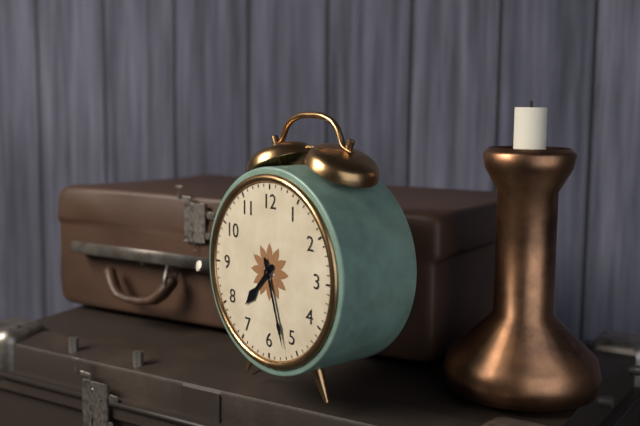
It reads {"hour": 7, "minute": 27}
